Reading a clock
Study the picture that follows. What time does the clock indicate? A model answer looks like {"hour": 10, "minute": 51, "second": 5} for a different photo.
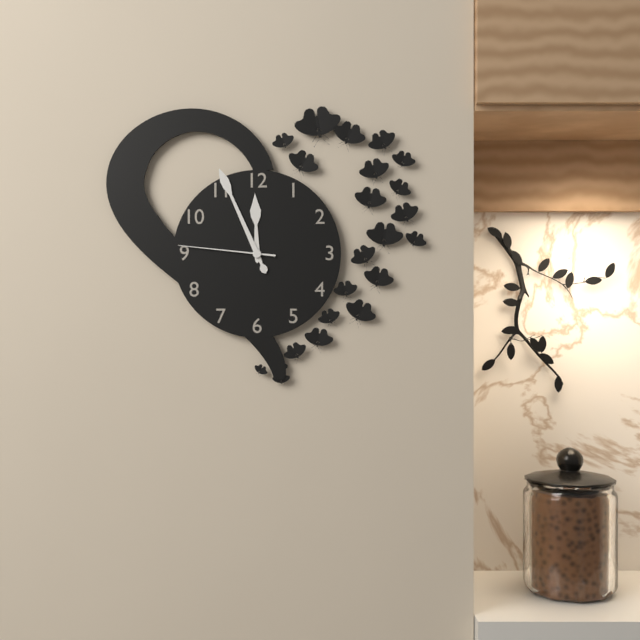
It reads {"hour": 11, "minute": 56, "second": 46}
